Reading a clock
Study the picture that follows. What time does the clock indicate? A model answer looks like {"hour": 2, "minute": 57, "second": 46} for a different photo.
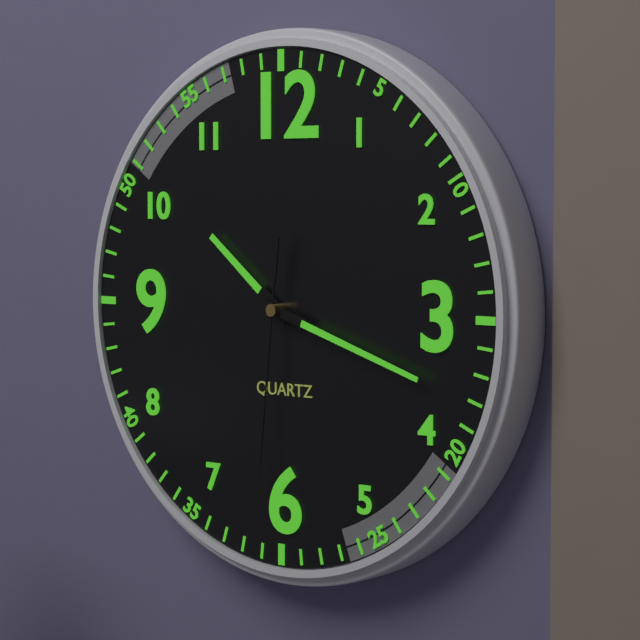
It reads {"hour": 10, "minute": 18, "second": 31}
